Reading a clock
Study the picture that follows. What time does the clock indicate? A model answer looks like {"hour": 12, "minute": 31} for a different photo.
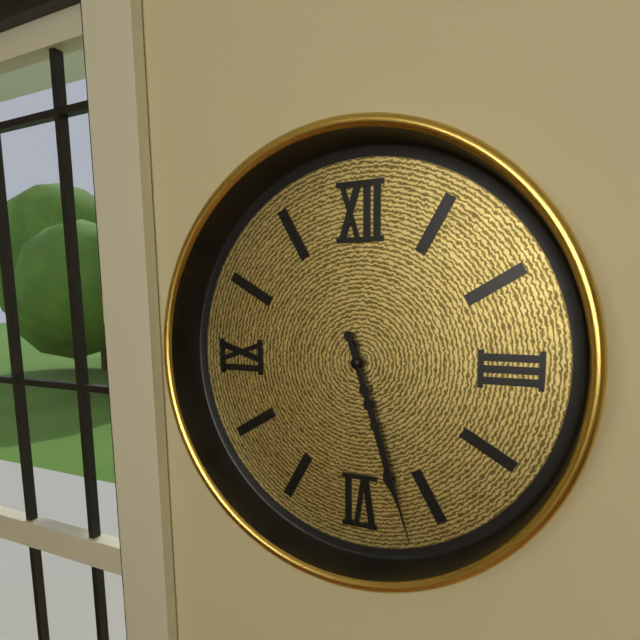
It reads {"hour": 5, "minute": 27}
